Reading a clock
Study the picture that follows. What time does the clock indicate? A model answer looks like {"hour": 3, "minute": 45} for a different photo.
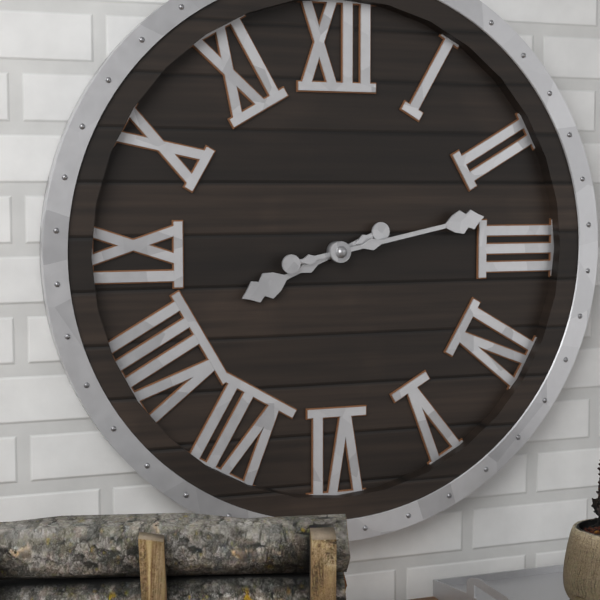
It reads {"hour": 8, "minute": 13}
